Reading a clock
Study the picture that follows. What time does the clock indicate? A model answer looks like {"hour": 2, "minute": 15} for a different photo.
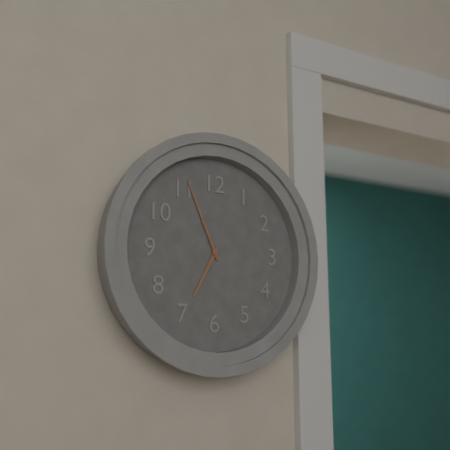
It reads {"hour": 6, "minute": 56}
